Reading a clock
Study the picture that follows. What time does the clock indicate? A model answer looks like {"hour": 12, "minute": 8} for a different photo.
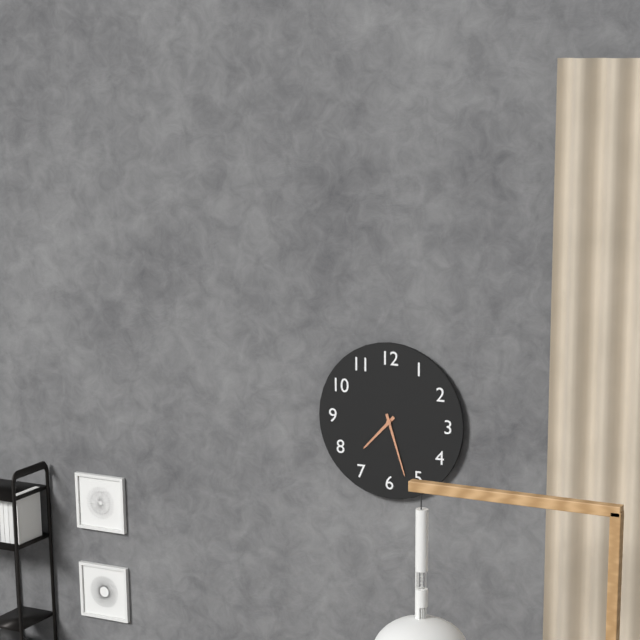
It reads {"hour": 7, "minute": 27}
